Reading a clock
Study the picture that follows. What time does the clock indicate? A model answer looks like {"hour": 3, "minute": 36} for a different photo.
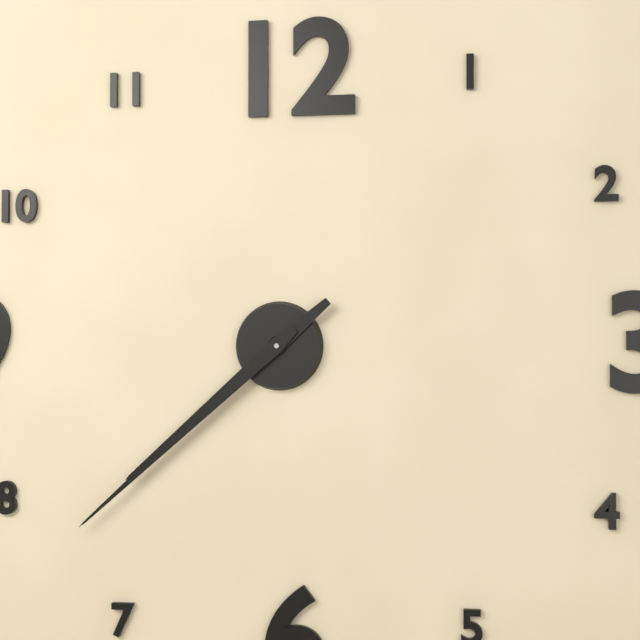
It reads {"hour": 7, "minute": 38}
